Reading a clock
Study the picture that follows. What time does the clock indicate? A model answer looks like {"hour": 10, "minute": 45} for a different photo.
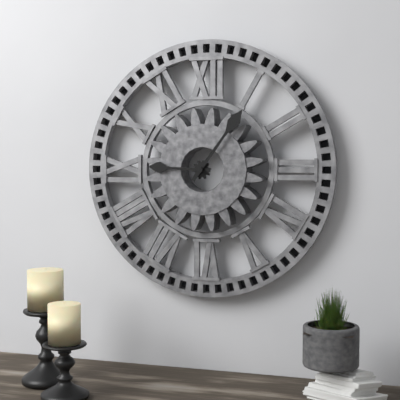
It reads {"hour": 9, "minute": 6}
